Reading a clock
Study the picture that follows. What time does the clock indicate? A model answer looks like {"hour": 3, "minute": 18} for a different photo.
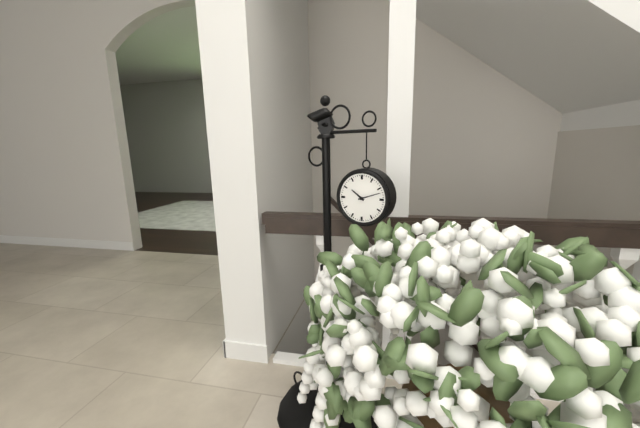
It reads {"hour": 10, "minute": 12}
